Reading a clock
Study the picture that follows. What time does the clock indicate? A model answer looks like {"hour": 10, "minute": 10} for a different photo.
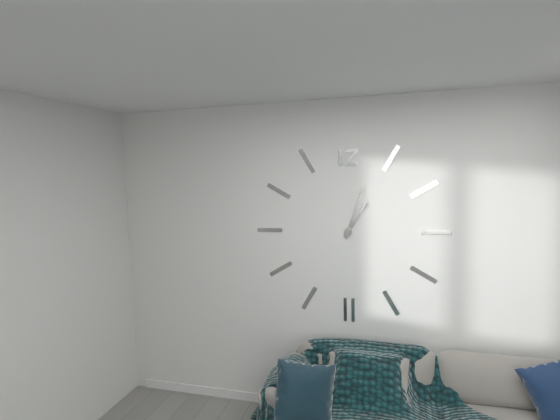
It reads {"hour": 1, "minute": 3}
